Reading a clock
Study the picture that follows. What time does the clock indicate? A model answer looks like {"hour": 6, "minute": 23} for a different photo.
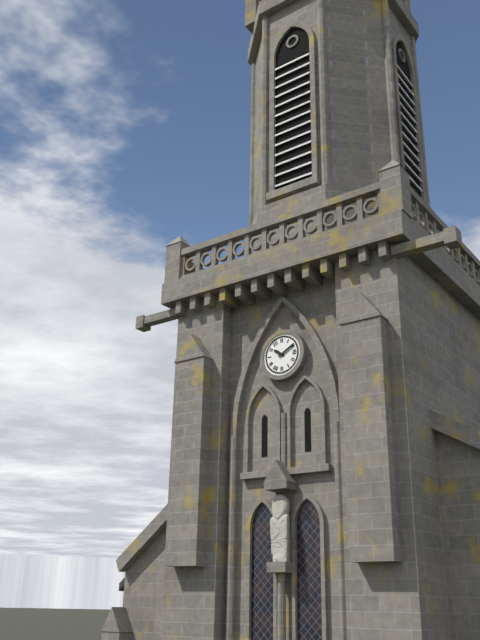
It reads {"hour": 10, "minute": 10}
